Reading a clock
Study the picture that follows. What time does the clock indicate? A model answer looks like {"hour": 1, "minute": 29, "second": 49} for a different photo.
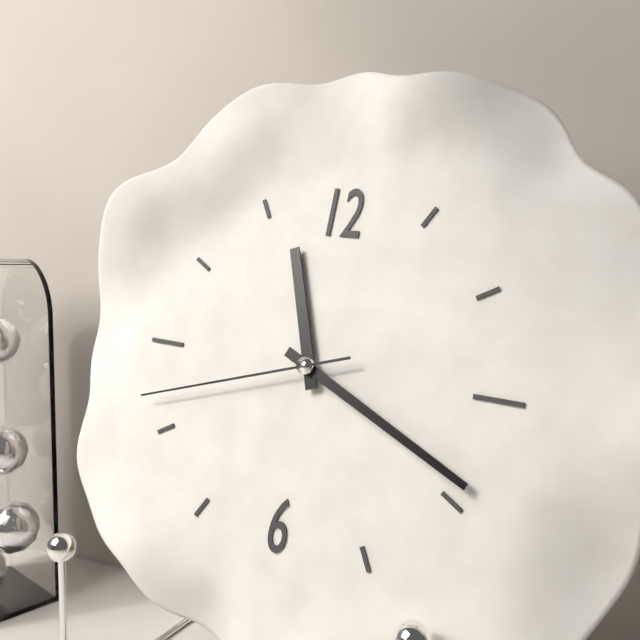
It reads {"hour": 11, "minute": 19, "second": 42}
